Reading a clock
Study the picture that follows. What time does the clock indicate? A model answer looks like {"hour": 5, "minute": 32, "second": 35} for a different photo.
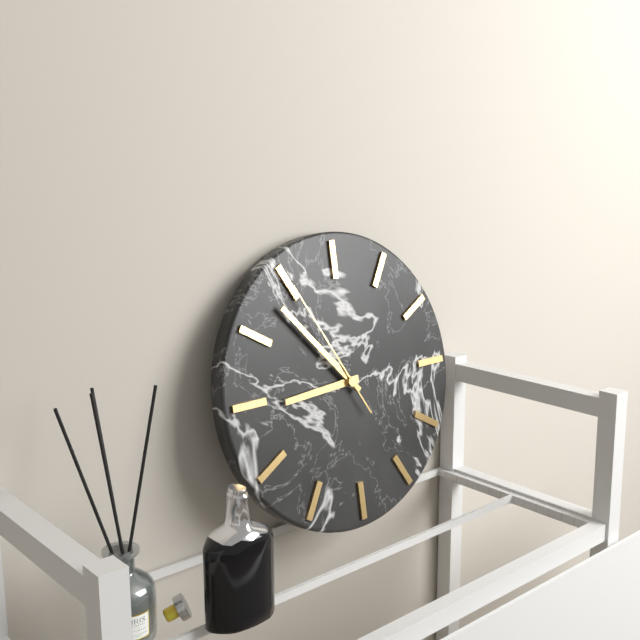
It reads {"hour": 8, "minute": 53, "second": 55}
